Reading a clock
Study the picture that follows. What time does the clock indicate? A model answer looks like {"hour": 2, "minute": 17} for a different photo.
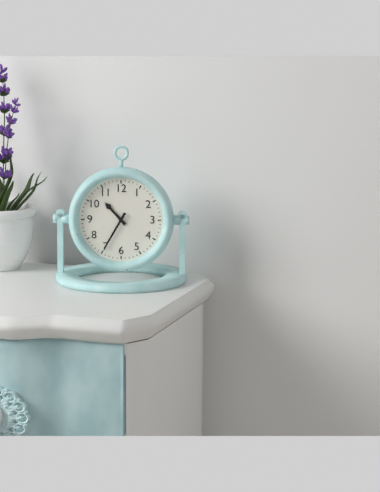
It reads {"hour": 10, "minute": 35}
